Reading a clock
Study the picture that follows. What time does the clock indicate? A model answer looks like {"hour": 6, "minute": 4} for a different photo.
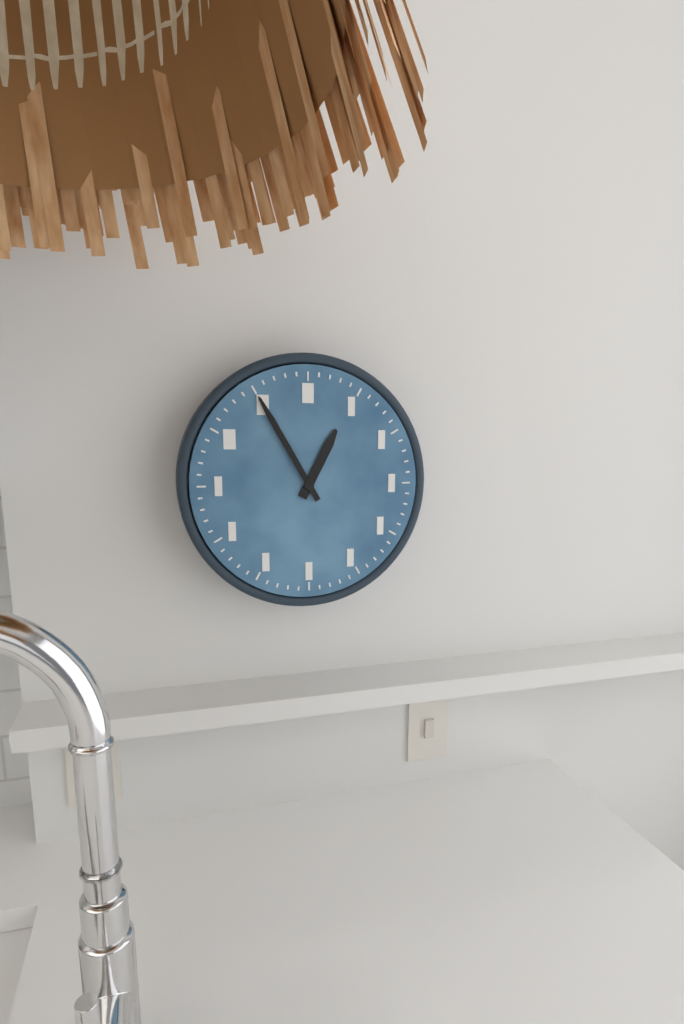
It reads {"hour": 12, "minute": 55}
